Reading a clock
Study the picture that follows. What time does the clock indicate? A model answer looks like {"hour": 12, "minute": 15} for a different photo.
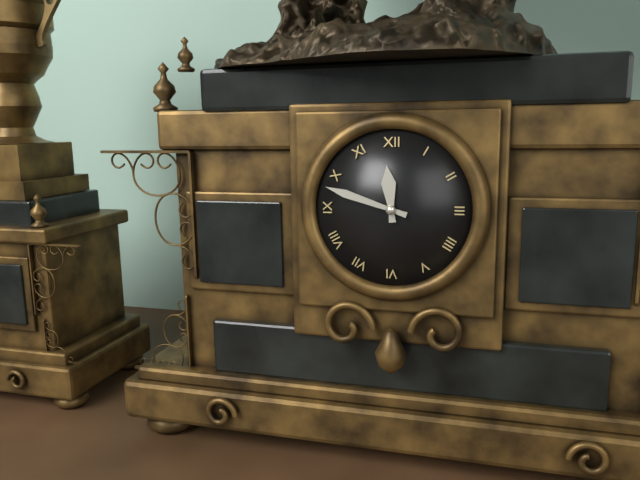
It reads {"hour": 11, "minute": 48}
